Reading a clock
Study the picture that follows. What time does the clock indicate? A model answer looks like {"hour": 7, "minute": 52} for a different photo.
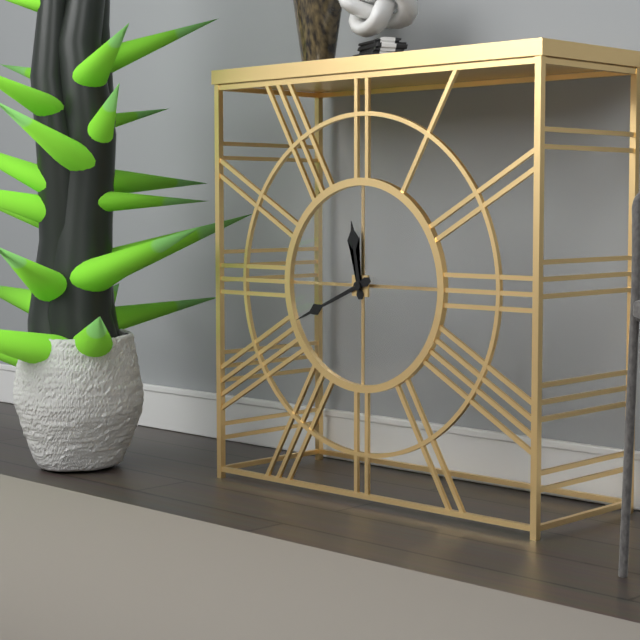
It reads {"hour": 11, "minute": 41}
